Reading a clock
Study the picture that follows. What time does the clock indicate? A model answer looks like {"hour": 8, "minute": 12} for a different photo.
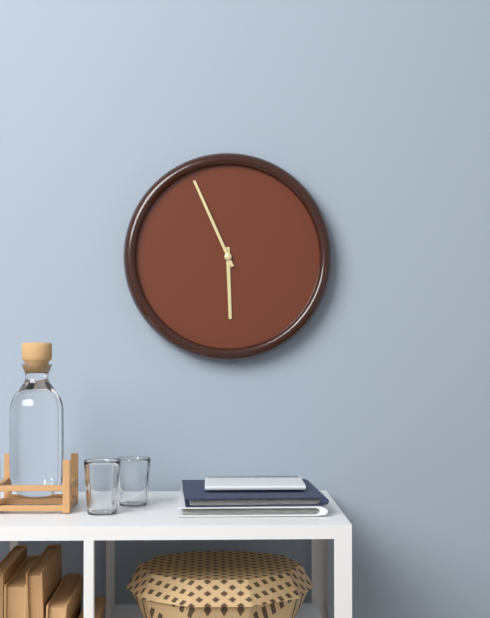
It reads {"hour": 5, "minute": 56}
